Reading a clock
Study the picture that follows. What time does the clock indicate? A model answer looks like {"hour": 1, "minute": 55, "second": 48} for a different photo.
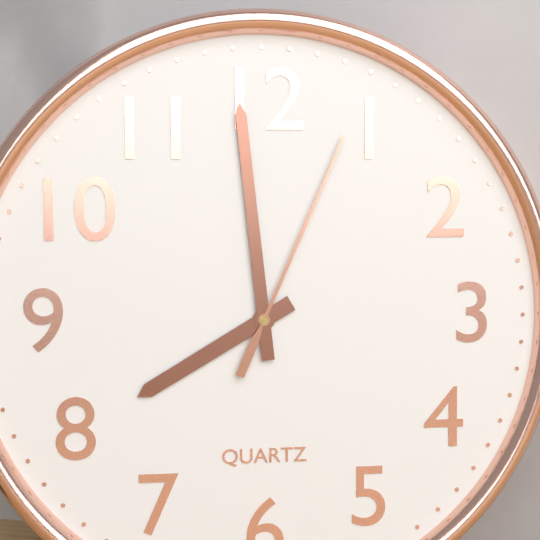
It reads {"hour": 7, "minute": 59, "second": 4}
